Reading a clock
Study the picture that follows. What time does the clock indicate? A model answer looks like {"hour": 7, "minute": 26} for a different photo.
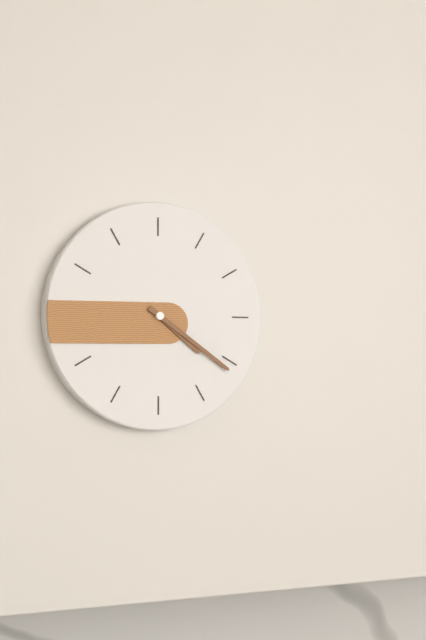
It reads {"hour": 4, "minute": 21}
